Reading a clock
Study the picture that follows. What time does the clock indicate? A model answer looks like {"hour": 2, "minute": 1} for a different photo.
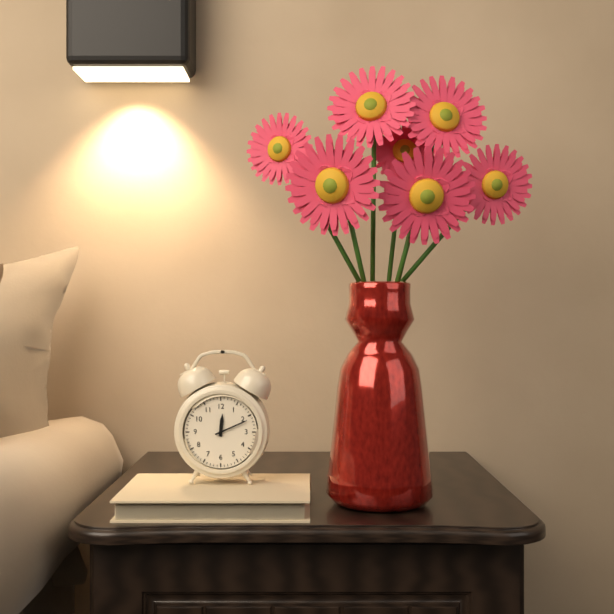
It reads {"hour": 12, "minute": 11}
